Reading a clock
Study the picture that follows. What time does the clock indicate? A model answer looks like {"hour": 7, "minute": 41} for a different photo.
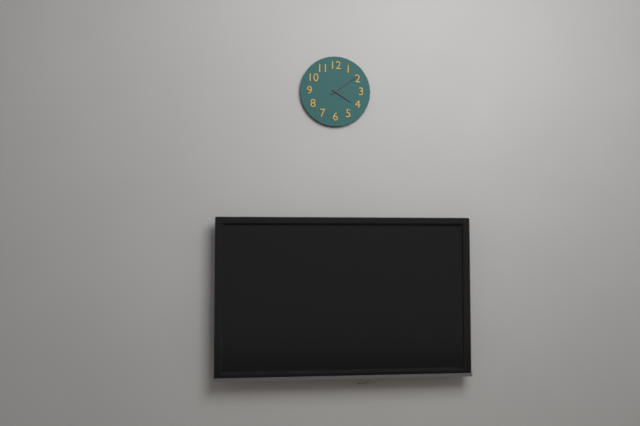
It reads {"hour": 4, "minute": 9}
